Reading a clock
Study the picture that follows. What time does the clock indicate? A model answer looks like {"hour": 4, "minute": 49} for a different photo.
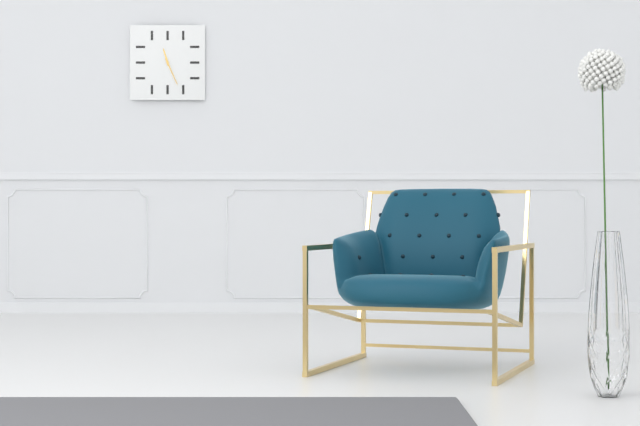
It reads {"hour": 11, "minute": 26}
